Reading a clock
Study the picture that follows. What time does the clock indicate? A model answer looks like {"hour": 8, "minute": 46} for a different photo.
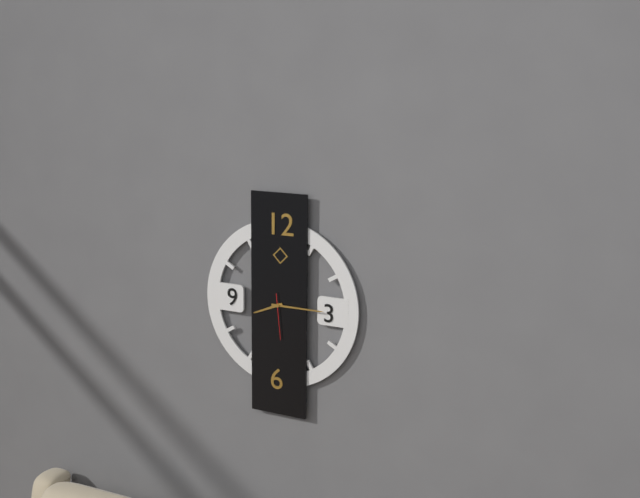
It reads {"hour": 8, "minute": 15}
